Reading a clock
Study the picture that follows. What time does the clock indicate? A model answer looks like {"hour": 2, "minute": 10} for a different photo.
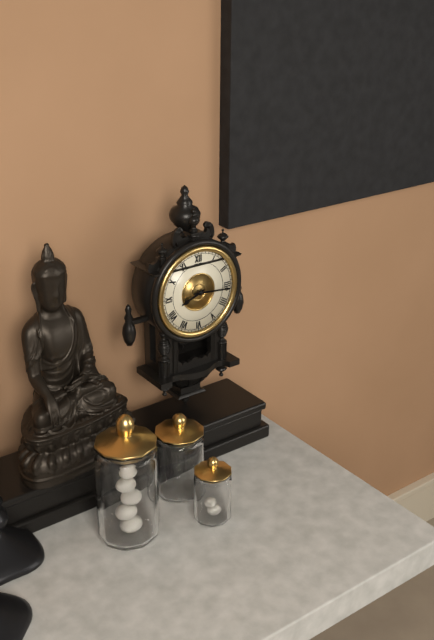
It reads {"hour": 8, "minute": 16}
